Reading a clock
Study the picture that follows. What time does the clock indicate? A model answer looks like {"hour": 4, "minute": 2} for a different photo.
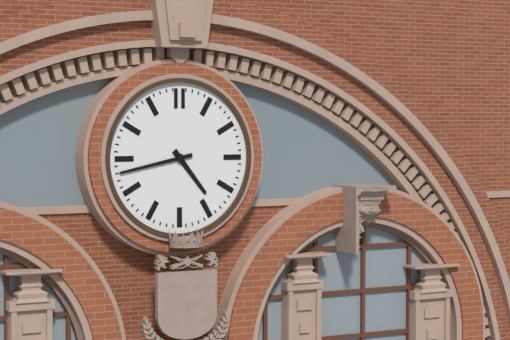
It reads {"hour": 4, "minute": 43}
